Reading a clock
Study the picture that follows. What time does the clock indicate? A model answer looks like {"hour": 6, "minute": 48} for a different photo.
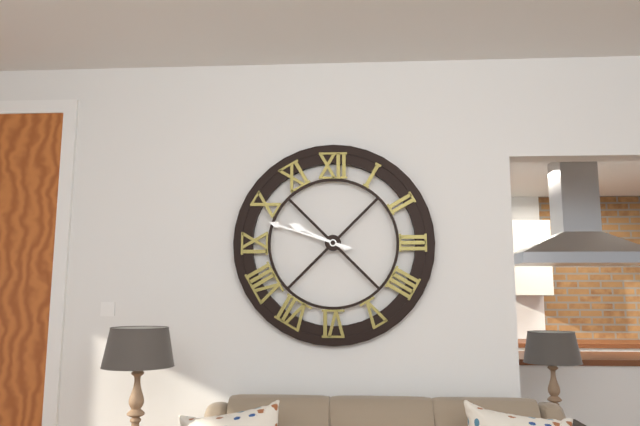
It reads {"hour": 9, "minute": 48}
